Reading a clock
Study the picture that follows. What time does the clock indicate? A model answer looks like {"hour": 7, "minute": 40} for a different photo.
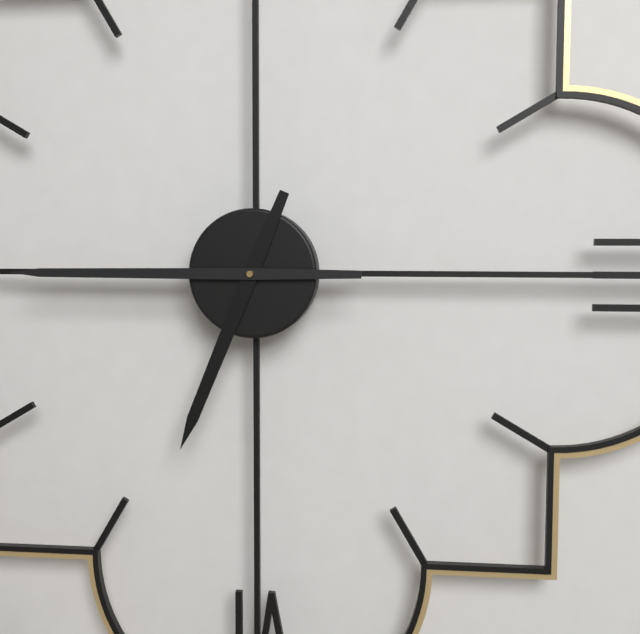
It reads {"hour": 6, "minute": 45}
